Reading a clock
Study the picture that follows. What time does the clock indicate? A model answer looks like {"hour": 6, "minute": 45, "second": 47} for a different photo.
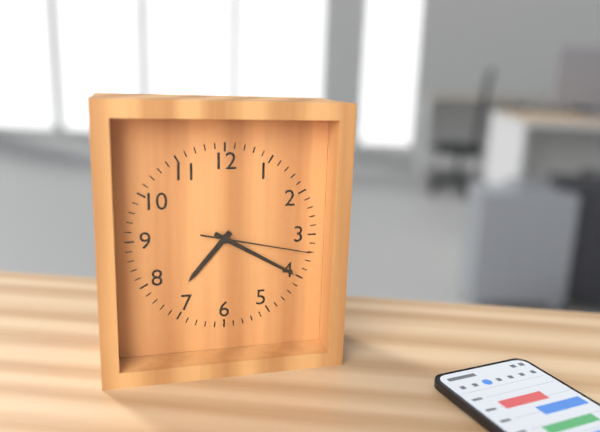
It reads {"hour": 7, "minute": 20, "second": 17}
